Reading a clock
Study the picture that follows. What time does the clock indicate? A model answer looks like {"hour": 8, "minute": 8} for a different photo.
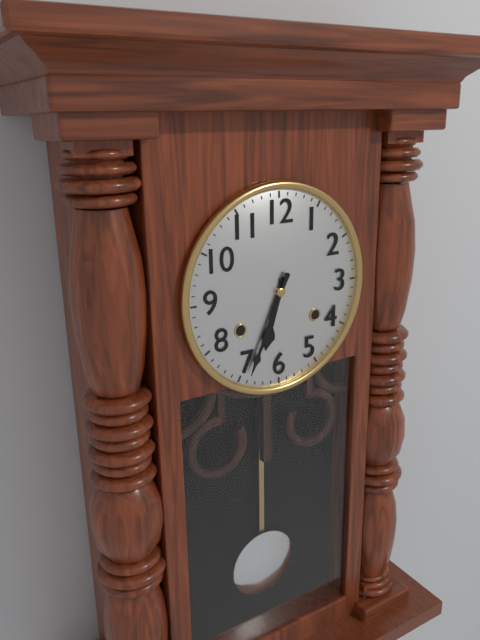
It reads {"hour": 6, "minute": 34}
